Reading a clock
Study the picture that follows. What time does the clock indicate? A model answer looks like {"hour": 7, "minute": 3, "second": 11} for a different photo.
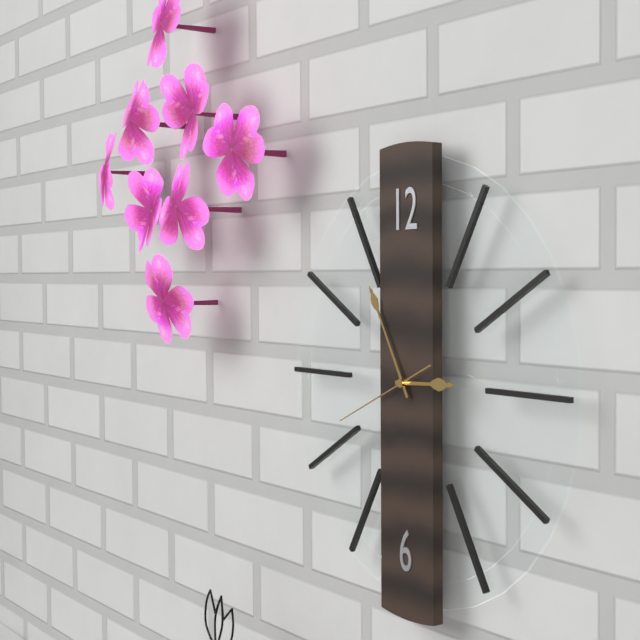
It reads {"hour": 2, "minute": 55, "second": 41}
